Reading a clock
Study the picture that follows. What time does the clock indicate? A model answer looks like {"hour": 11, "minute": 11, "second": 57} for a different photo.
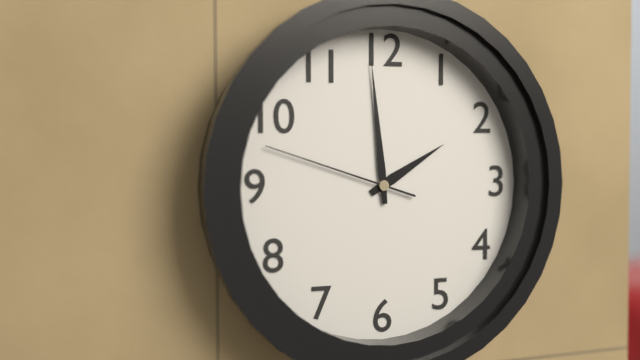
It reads {"hour": 1, "minute": 59, "second": 48}
